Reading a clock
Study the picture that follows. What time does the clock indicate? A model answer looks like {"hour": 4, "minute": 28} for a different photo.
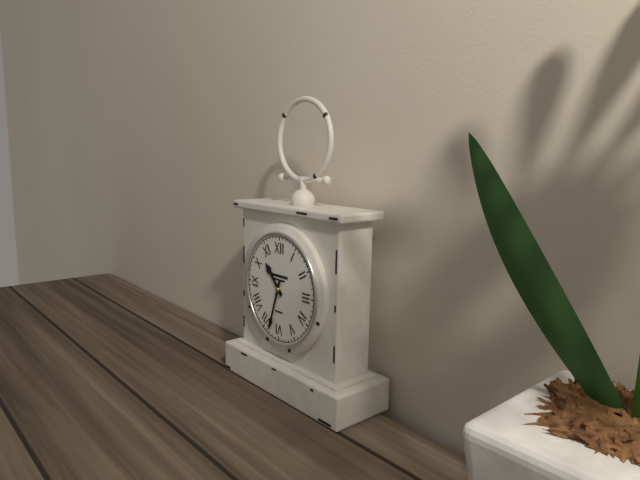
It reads {"hour": 10, "minute": 33}
